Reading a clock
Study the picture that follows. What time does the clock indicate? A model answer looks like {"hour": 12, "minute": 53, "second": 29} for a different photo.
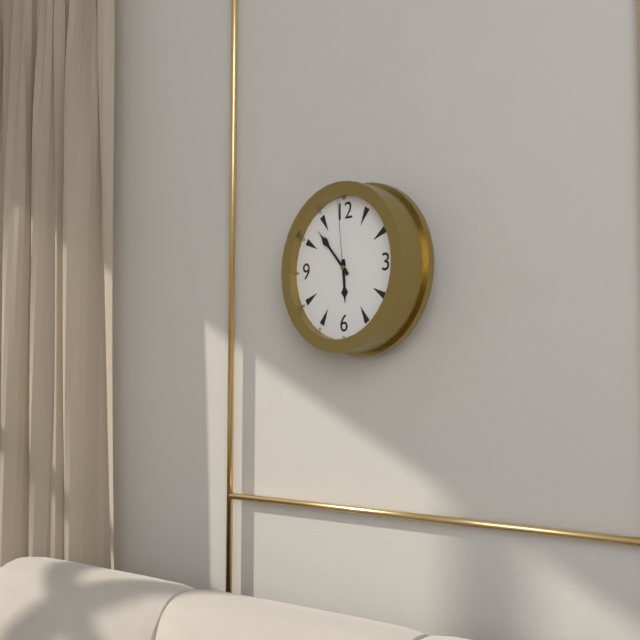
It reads {"hour": 5, "minute": 53, "second": 59}
